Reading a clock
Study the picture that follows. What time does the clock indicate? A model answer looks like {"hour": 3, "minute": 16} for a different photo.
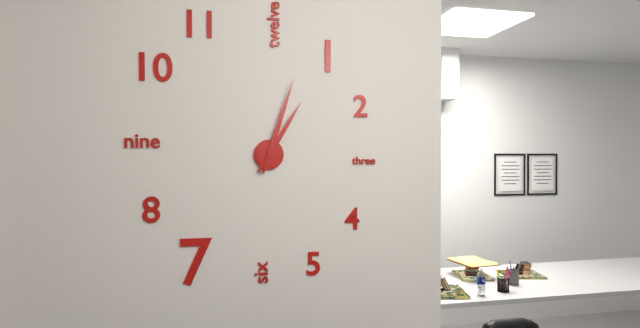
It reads {"hour": 1, "minute": 3}
